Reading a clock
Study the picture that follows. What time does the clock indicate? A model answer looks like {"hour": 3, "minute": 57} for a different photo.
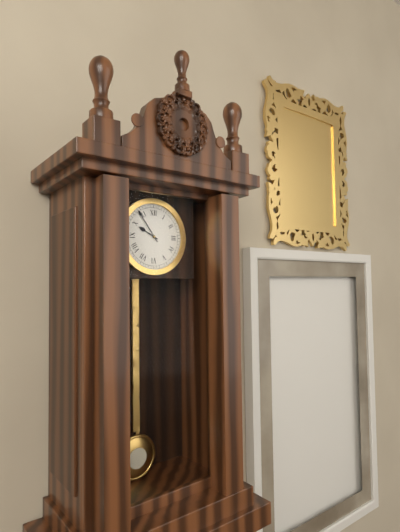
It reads {"hour": 9, "minute": 54}
